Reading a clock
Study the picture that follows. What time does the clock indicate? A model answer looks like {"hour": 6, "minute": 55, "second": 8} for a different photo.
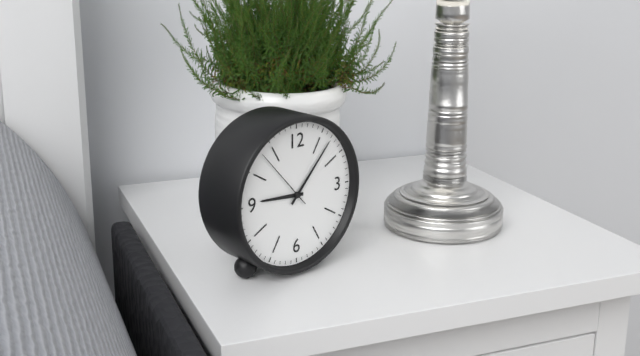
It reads {"hour": 9, "minute": 7, "second": 53}
